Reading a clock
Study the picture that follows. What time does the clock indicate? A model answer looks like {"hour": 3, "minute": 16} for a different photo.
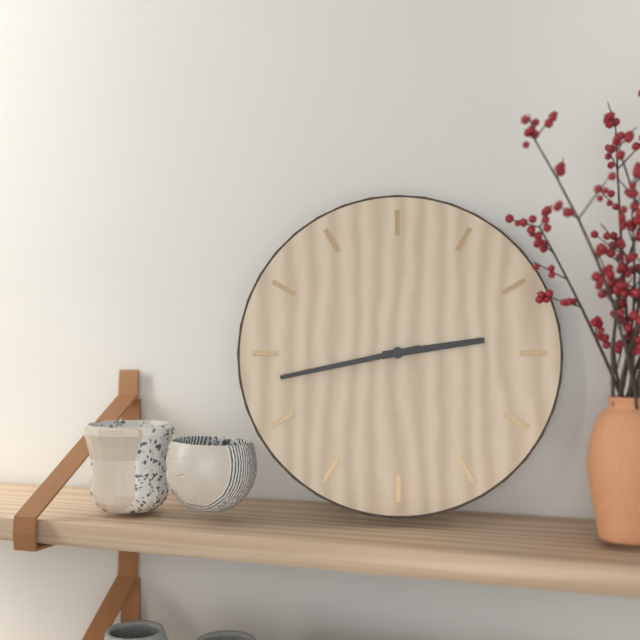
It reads {"hour": 2, "minute": 43}
